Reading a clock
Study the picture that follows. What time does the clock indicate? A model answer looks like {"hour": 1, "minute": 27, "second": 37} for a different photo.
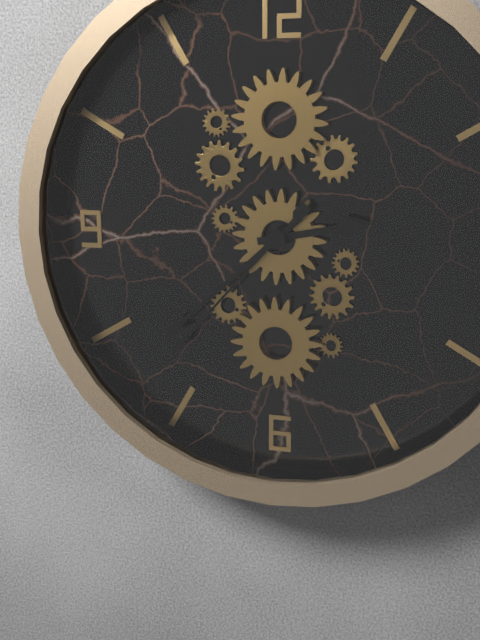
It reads {"hour": 2, "minute": 38, "second": 37}
